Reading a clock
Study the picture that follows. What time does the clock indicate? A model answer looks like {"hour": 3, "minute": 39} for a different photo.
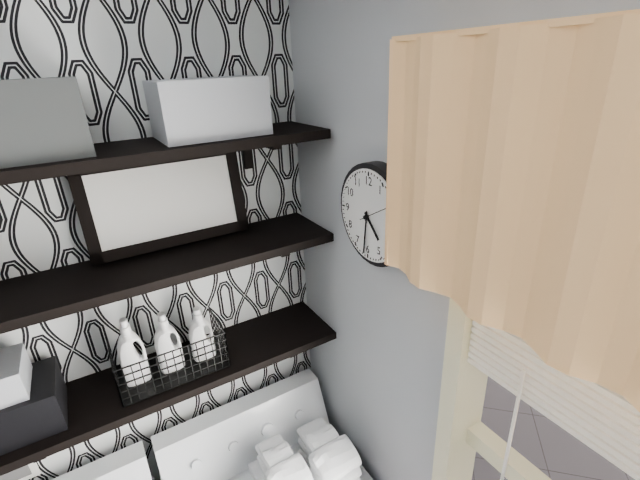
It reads {"hour": 4, "minute": 31}
